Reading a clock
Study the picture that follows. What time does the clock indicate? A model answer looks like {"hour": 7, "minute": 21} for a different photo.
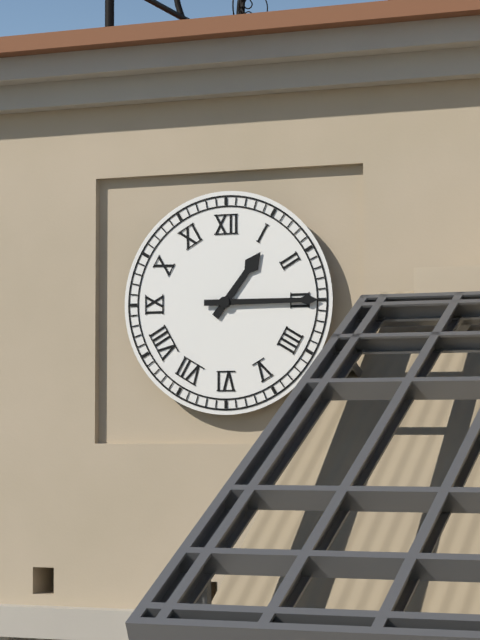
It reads {"hour": 1, "minute": 15}
